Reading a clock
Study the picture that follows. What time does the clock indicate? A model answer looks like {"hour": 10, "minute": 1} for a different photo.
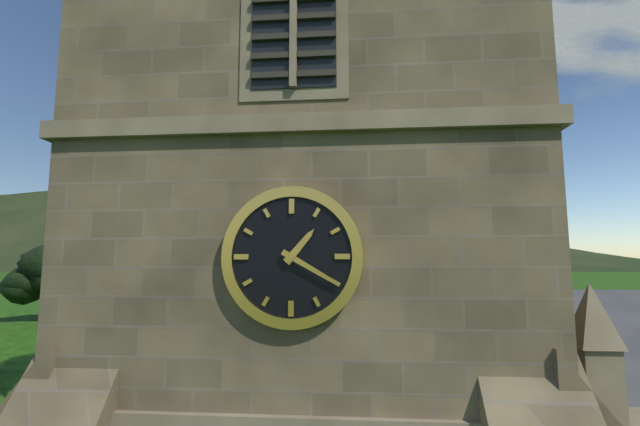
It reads {"hour": 1, "minute": 20}
